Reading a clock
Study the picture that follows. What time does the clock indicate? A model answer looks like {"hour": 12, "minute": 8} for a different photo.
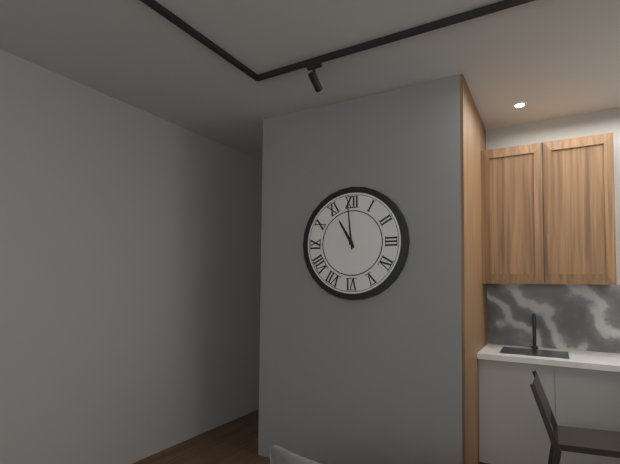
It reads {"hour": 10, "minute": 59}
